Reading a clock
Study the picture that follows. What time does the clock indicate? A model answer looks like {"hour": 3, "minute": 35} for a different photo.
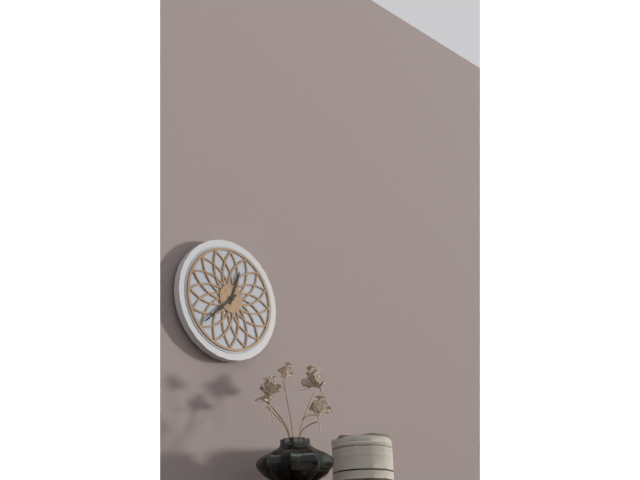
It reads {"hour": 12, "minute": 38}
